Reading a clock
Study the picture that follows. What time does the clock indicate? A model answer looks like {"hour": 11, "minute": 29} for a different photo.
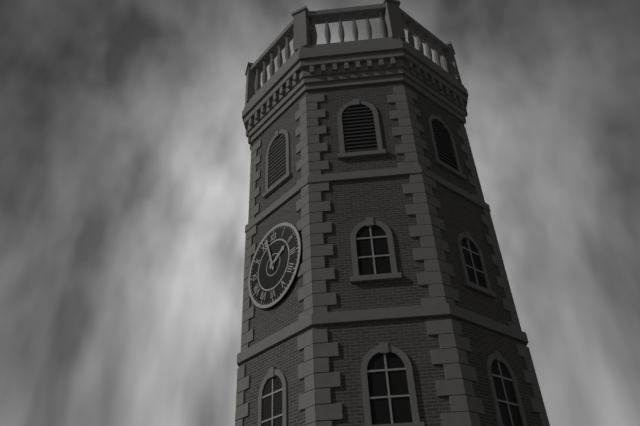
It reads {"hour": 1, "minute": 57}
